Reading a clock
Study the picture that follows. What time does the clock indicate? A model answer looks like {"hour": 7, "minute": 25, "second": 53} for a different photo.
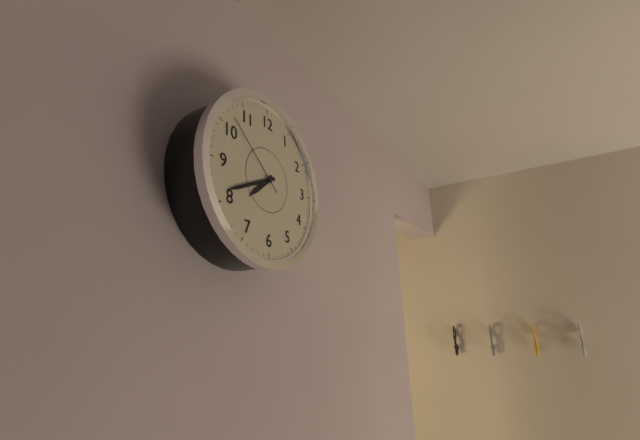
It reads {"hour": 7, "minute": 41, "second": 52}
